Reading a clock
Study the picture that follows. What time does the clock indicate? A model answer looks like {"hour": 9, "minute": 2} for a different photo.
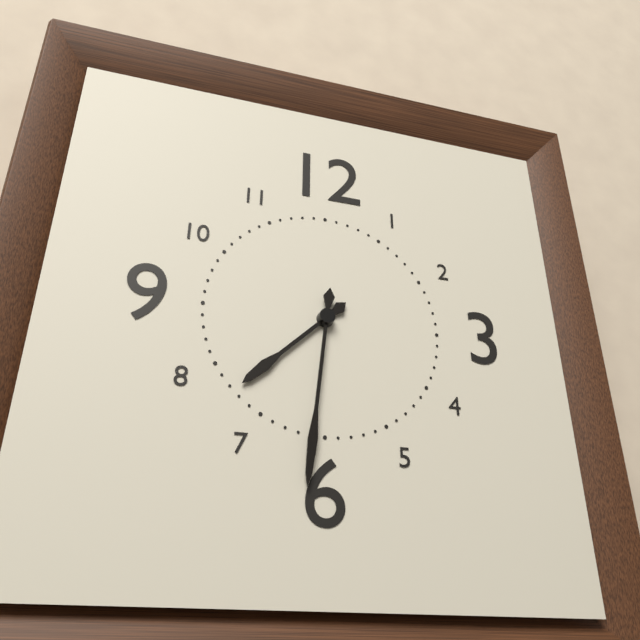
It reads {"hour": 7, "minute": 31}
